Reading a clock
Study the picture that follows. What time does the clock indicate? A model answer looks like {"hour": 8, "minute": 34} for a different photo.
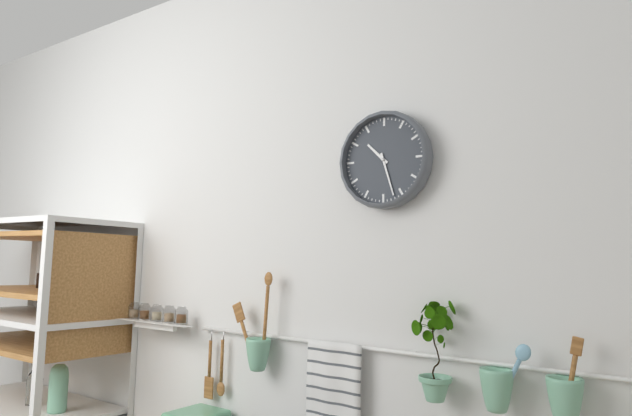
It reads {"hour": 10, "minute": 27}
